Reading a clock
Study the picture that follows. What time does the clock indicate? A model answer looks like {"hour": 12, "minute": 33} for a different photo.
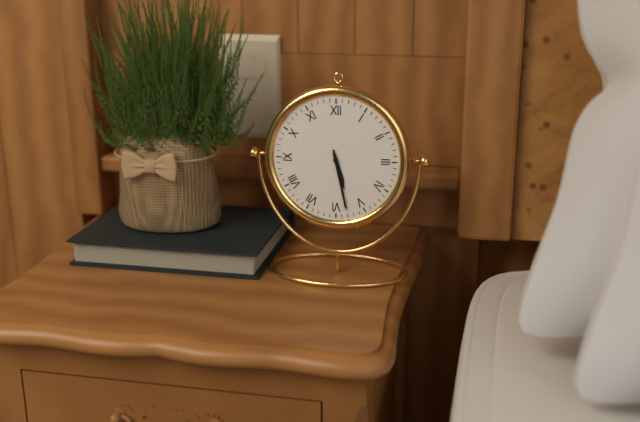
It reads {"hour": 5, "minute": 28}
